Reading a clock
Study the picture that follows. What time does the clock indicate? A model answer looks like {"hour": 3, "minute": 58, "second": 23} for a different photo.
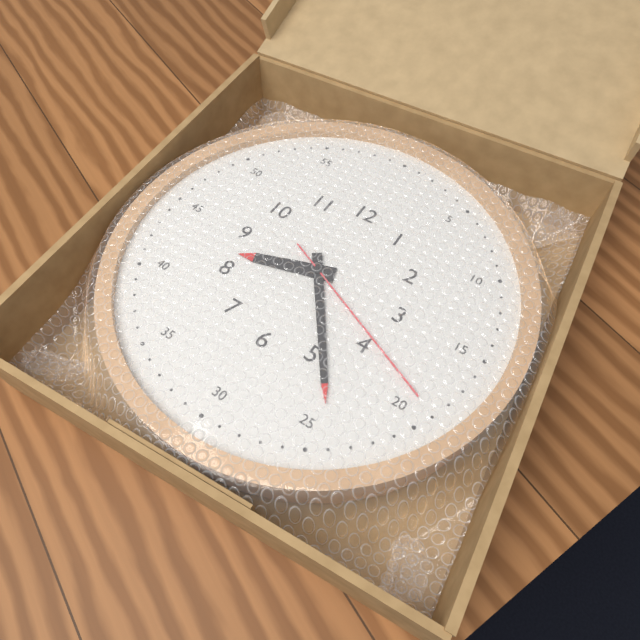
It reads {"hour": 8, "minute": 24, "second": 19}
